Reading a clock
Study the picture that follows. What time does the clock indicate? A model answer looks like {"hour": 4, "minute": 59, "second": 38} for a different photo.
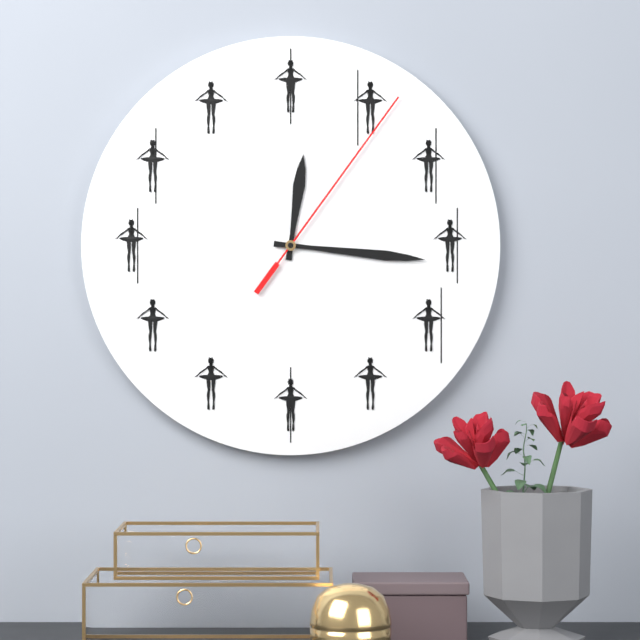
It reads {"hour": 12, "minute": 16, "second": 6}
